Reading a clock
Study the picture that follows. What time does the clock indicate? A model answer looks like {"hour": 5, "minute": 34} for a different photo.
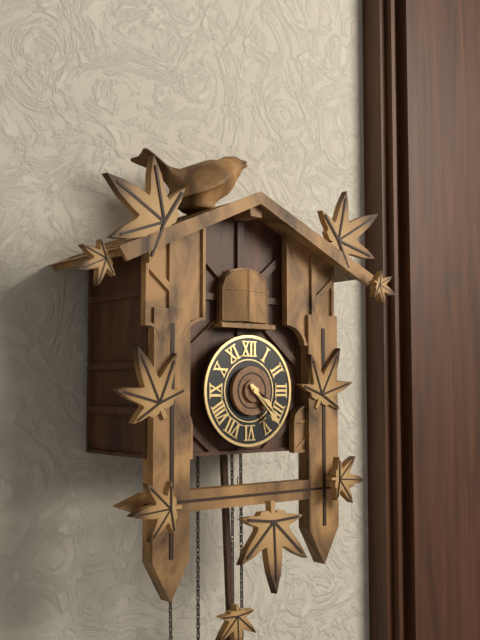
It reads {"hour": 4, "minute": 23}
